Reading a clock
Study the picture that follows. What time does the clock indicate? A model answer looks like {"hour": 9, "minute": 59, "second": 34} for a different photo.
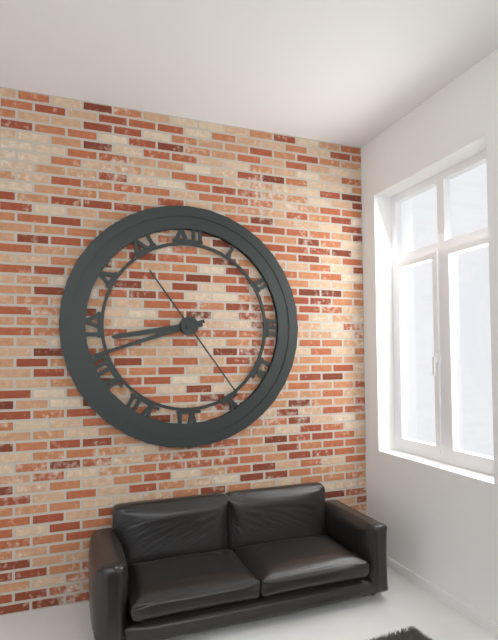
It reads {"hour": 8, "minute": 42, "second": 24}
